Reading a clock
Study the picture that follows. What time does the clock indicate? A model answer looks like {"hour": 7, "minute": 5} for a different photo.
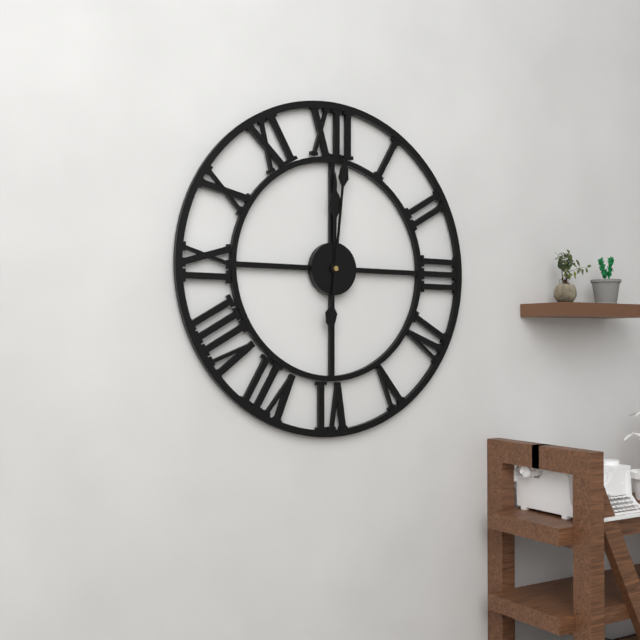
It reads {"hour": 12, "minute": 1}
